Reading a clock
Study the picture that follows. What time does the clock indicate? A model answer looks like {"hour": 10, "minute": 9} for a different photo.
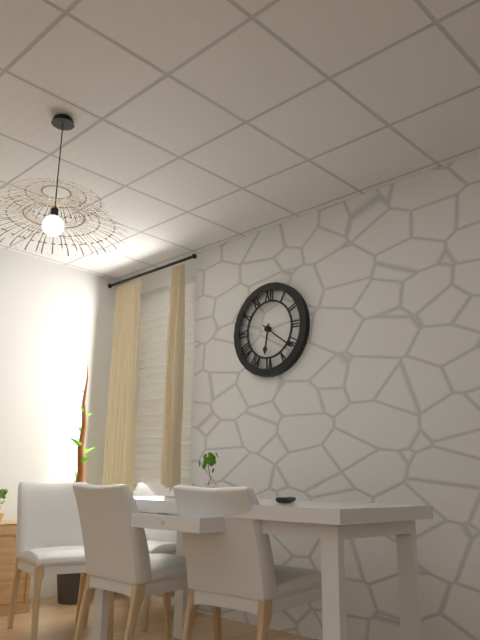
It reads {"hour": 6, "minute": 21}
